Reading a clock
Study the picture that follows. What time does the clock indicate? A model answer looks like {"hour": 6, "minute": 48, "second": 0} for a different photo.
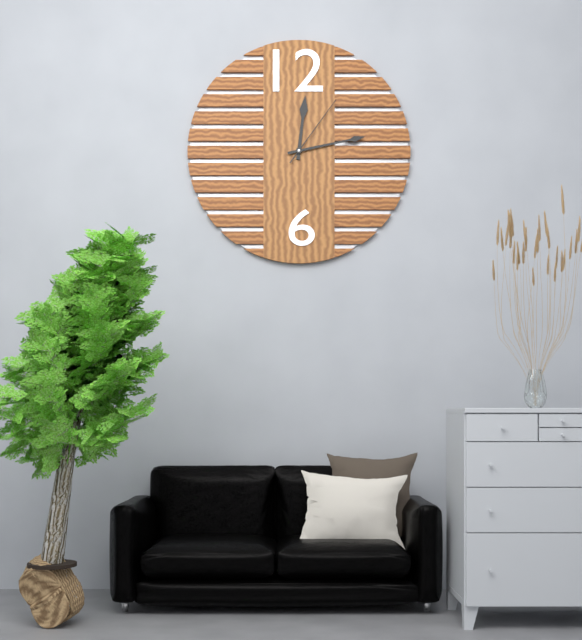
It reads {"hour": 12, "minute": 13, "second": 6}
